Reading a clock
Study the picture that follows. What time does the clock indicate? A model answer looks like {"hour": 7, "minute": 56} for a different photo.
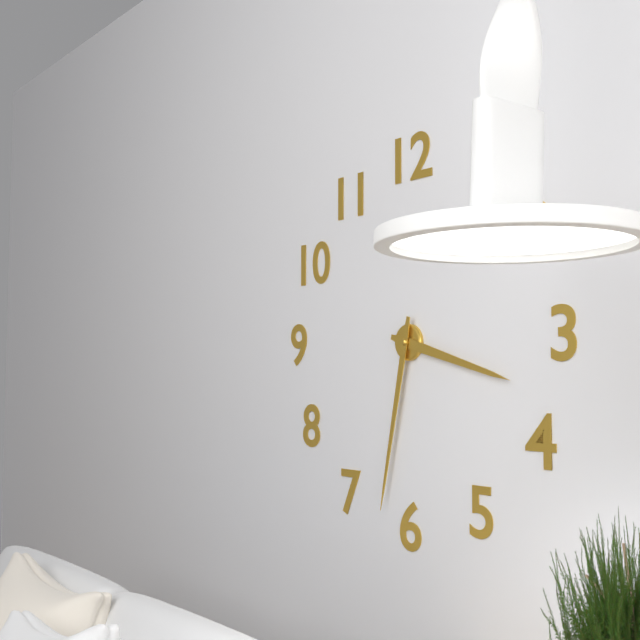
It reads {"hour": 3, "minute": 32}
